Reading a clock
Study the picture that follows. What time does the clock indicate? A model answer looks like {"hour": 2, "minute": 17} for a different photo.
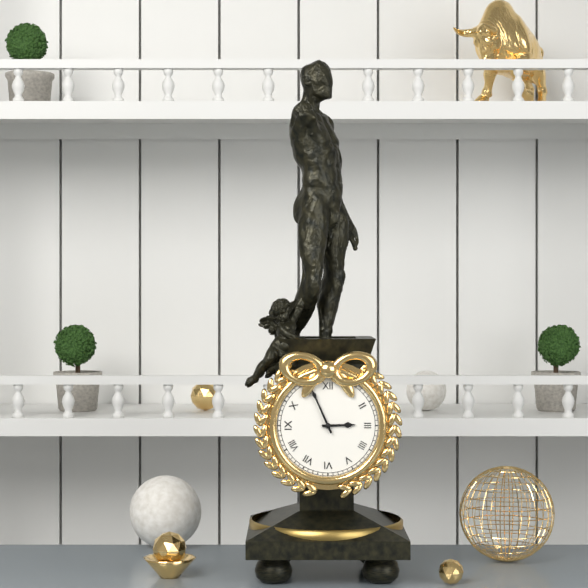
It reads {"hour": 2, "minute": 56}
